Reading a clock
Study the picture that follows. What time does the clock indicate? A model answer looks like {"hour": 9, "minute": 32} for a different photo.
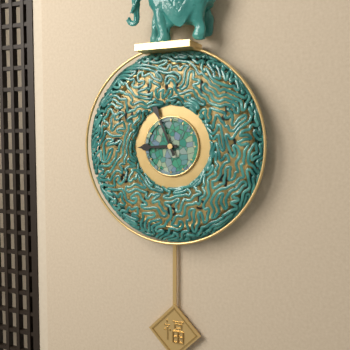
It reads {"hour": 8, "minute": 56}
